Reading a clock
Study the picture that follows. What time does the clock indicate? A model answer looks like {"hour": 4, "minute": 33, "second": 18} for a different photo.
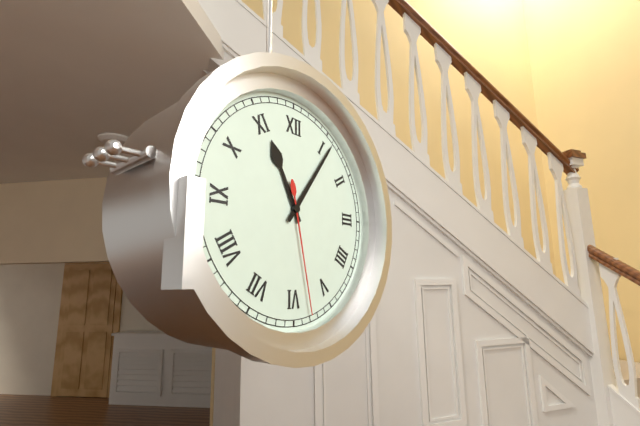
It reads {"hour": 11, "minute": 6, "second": 28}
